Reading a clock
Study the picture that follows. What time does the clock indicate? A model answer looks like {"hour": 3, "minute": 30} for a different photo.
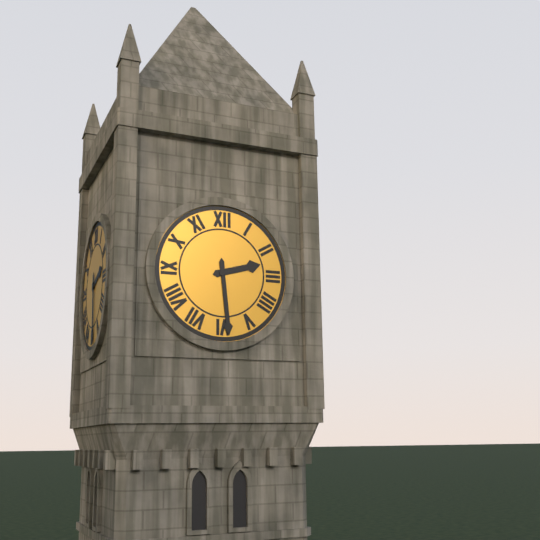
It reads {"hour": 2, "minute": 29}
